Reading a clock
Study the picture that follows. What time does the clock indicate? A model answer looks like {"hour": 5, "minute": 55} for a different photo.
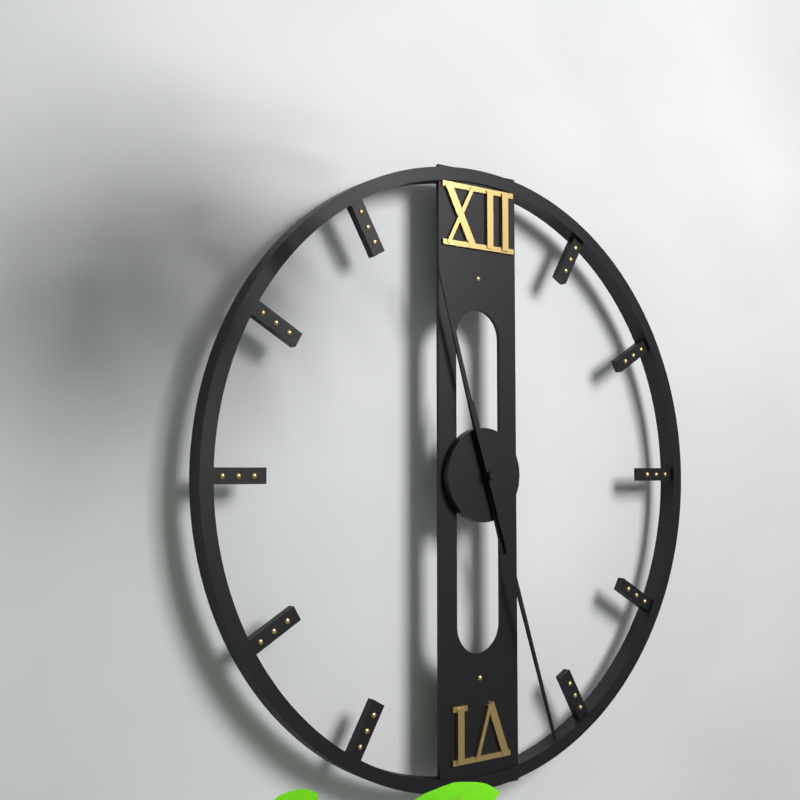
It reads {"hour": 11, "minute": 27}
